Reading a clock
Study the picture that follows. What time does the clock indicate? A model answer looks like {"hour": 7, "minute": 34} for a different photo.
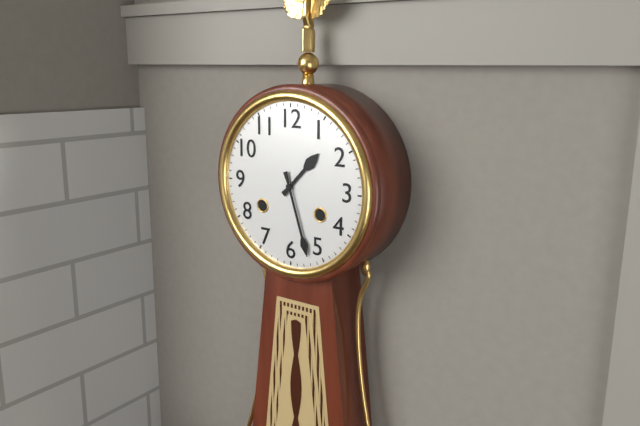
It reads {"hour": 1, "minute": 27}
